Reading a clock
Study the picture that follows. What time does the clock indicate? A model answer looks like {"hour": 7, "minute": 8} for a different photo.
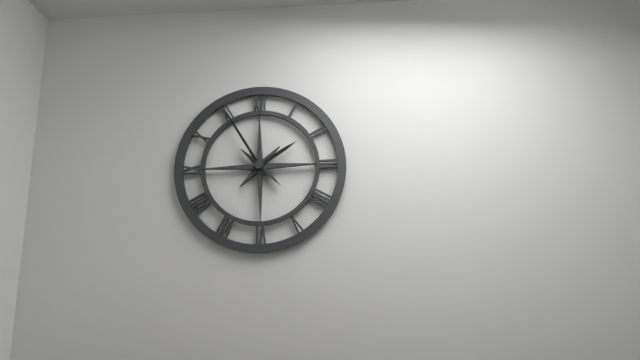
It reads {"hour": 1, "minute": 55}
